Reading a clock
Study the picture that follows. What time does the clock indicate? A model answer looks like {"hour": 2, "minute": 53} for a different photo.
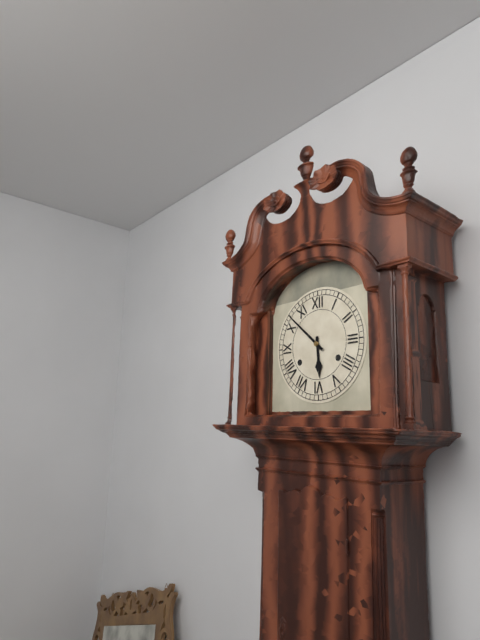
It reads {"hour": 5, "minute": 52}
